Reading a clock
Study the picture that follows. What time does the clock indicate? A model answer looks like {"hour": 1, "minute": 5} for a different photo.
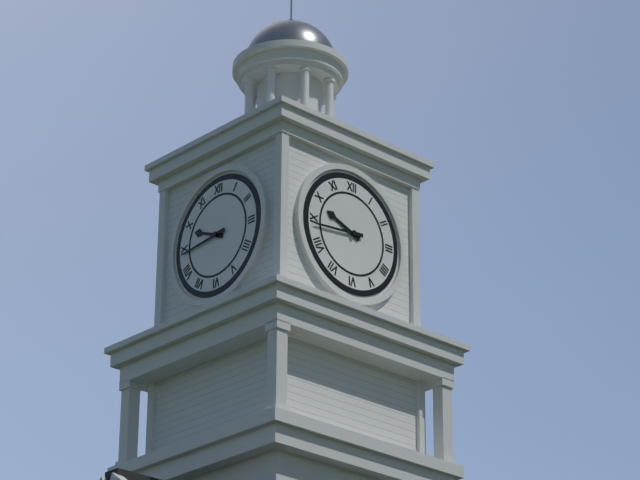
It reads {"hour": 9, "minute": 44}
